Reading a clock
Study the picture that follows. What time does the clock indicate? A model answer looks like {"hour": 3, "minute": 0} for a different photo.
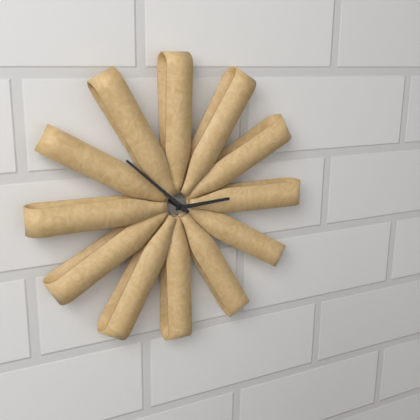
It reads {"hour": 2, "minute": 52}
